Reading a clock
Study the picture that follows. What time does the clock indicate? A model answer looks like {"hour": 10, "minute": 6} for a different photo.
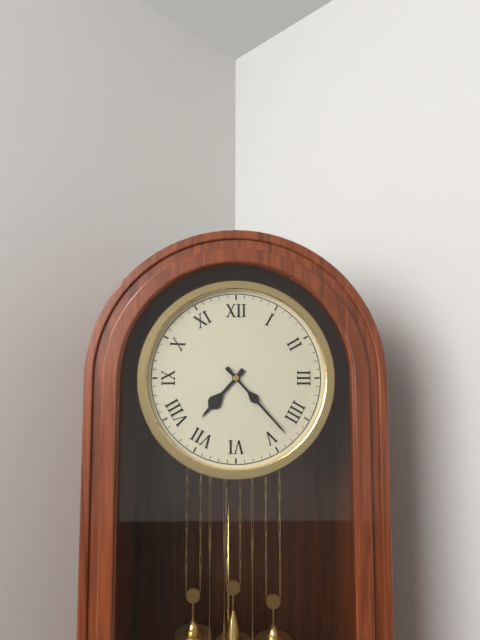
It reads {"hour": 7, "minute": 23}
